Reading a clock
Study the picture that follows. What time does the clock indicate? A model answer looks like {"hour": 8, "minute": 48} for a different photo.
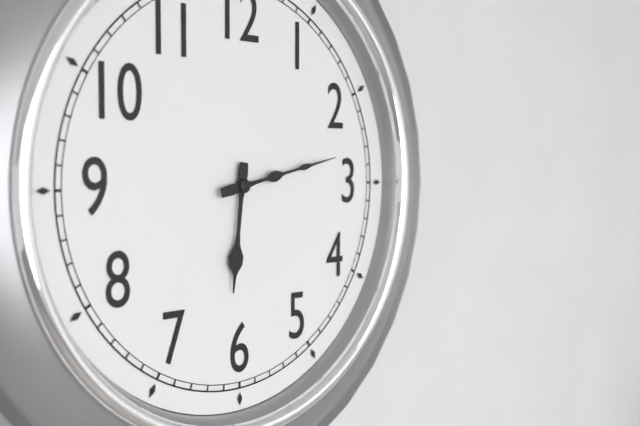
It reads {"hour": 6, "minute": 13}
